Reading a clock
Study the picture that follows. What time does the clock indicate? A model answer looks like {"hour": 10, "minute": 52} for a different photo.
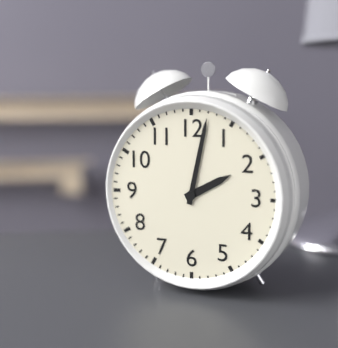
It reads {"hour": 2, "minute": 2}
